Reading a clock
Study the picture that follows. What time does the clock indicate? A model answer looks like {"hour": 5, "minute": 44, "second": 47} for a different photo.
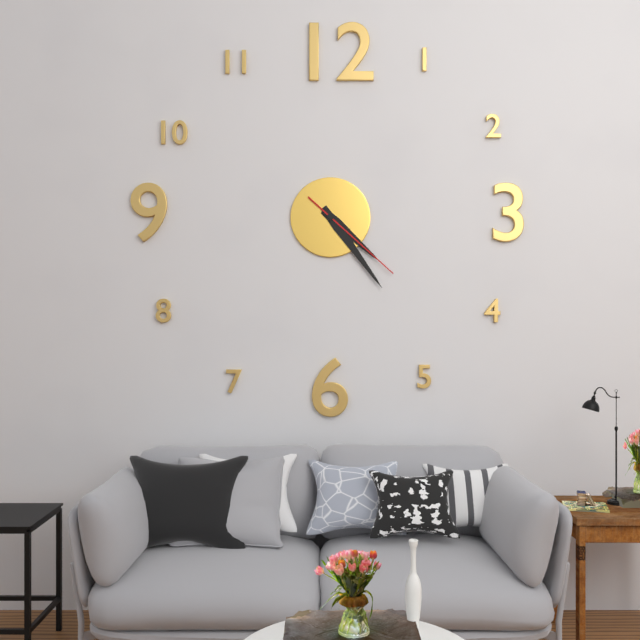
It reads {"hour": 4, "minute": 24, "second": 22}
